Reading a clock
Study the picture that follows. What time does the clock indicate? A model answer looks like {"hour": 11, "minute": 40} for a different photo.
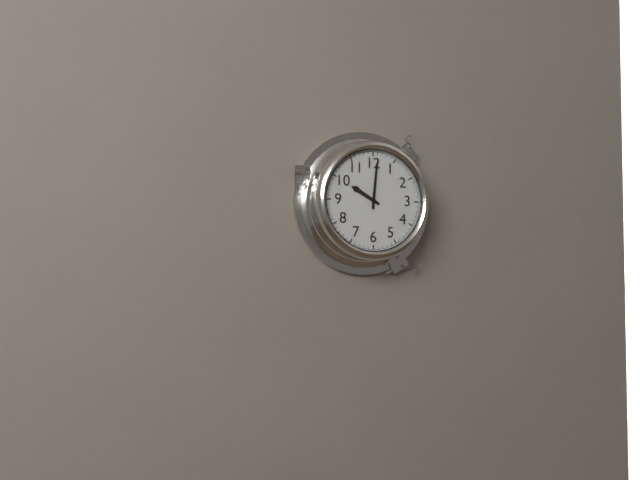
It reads {"hour": 10, "minute": 1}
